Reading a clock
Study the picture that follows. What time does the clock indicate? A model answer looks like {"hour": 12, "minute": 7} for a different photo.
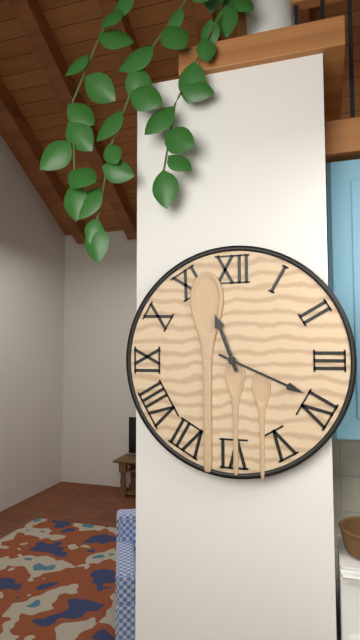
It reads {"hour": 11, "minute": 19}
